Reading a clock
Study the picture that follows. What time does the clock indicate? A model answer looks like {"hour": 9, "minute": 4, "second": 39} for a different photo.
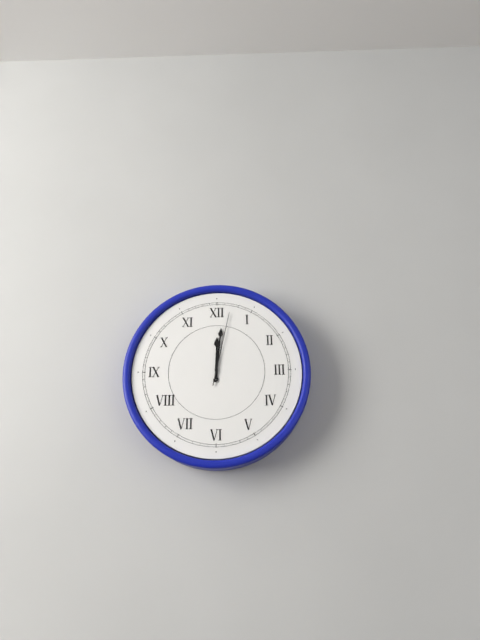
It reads {"hour": 12, "minute": 1, "second": 2}
